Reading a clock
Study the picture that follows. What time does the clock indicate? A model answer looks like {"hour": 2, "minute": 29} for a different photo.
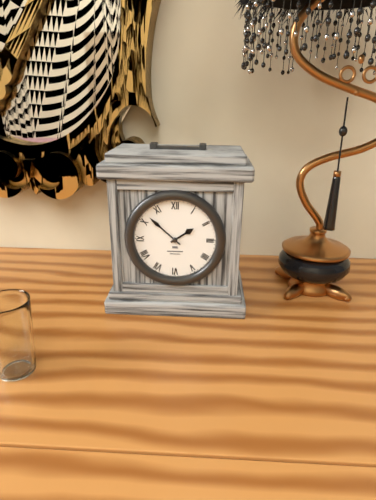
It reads {"hour": 1, "minute": 52}
